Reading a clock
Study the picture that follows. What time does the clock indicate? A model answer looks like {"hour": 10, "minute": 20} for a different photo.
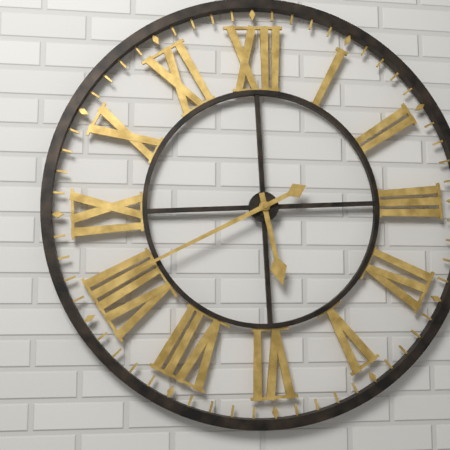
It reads {"hour": 5, "minute": 41}
